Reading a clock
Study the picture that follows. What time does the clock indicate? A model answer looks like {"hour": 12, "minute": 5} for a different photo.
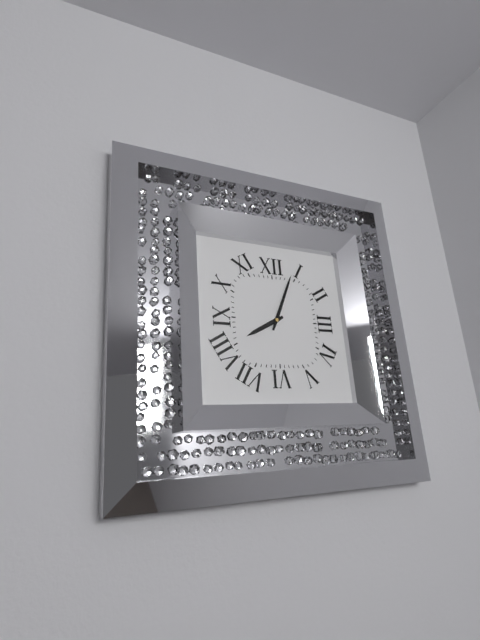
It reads {"hour": 8, "minute": 4}
